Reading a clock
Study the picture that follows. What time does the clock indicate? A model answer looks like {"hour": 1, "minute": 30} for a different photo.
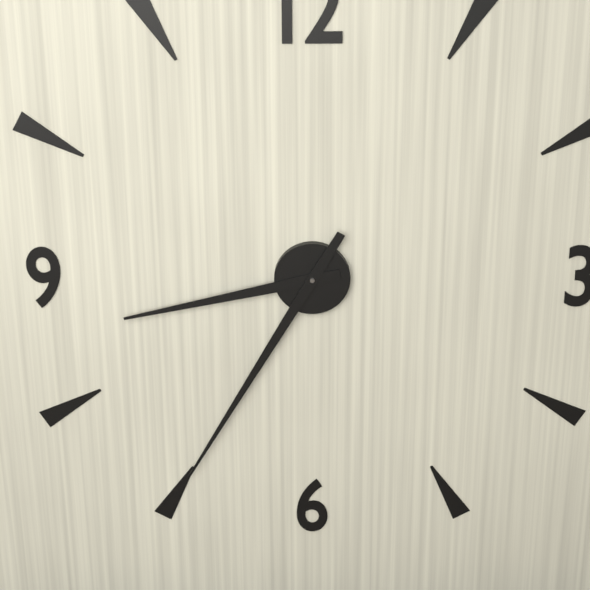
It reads {"hour": 8, "minute": 35}
